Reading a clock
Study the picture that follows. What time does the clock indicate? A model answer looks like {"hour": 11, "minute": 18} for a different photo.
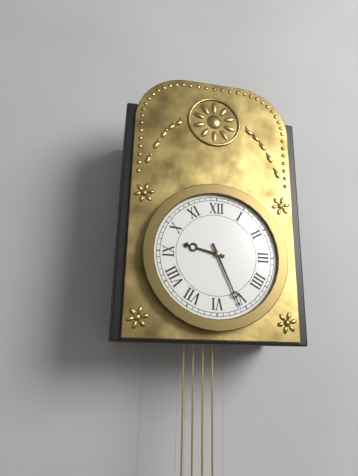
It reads {"hour": 9, "minute": 26}
